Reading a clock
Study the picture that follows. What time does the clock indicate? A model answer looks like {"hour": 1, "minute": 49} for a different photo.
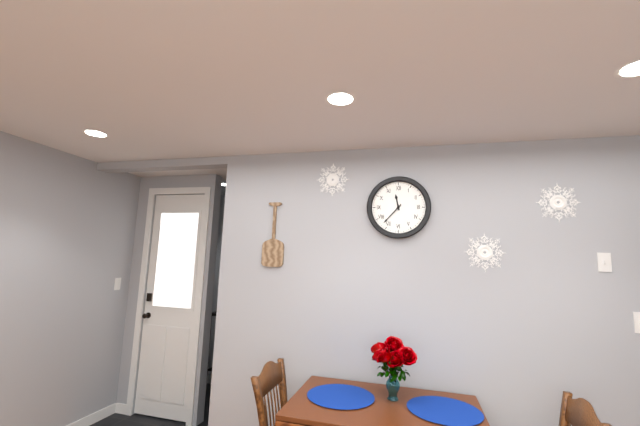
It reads {"hour": 11, "minute": 37}
